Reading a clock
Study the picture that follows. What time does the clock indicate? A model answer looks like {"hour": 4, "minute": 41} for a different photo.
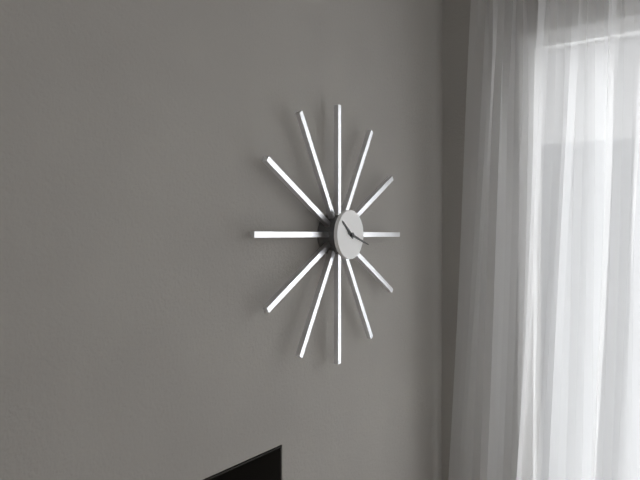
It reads {"hour": 10, "minute": 18}
